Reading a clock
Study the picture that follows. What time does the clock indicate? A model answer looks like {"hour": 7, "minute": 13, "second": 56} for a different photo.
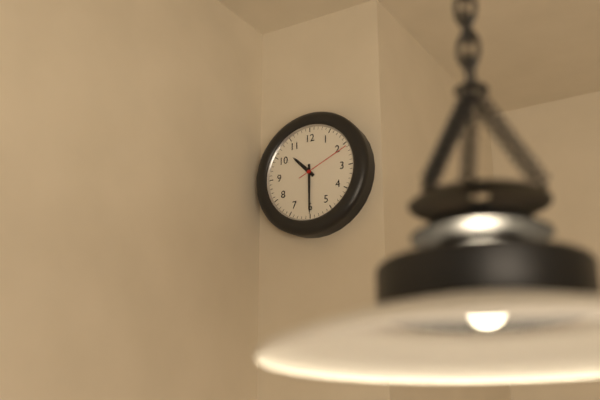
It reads {"hour": 10, "minute": 30, "second": 11}
